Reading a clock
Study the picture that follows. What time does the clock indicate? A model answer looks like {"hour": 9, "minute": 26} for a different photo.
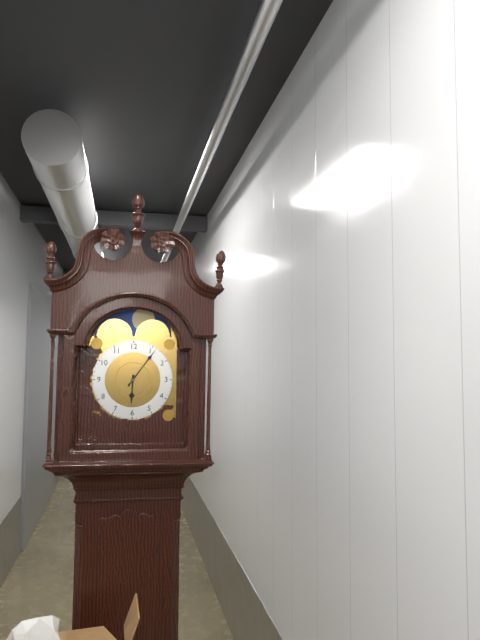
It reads {"hour": 6, "minute": 6}
